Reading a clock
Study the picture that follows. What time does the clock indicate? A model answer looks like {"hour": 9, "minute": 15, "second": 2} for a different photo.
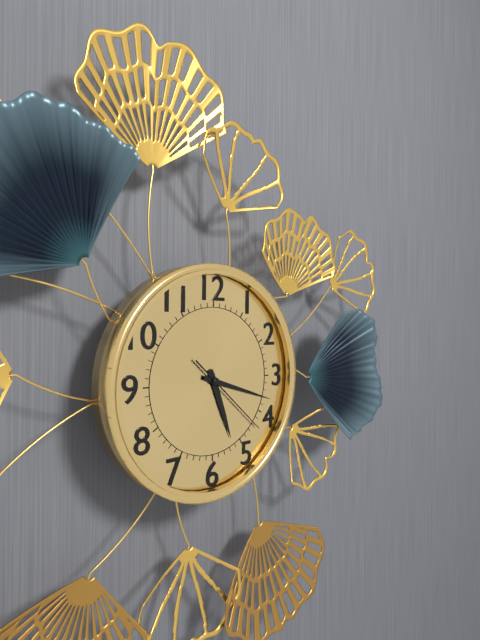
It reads {"hour": 5, "minute": 18, "second": 22}
